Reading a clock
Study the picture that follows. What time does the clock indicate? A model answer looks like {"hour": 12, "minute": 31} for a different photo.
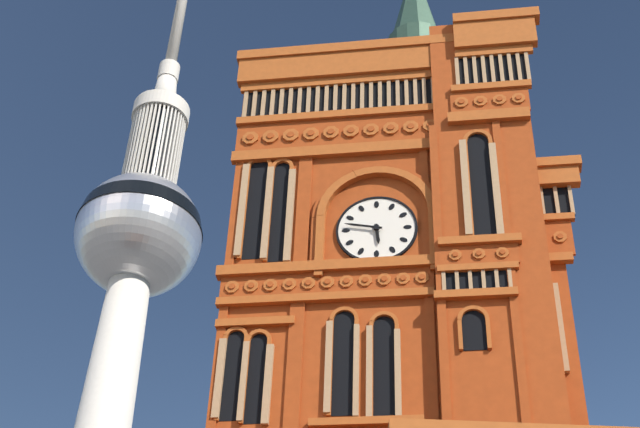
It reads {"hour": 5, "minute": 47}
